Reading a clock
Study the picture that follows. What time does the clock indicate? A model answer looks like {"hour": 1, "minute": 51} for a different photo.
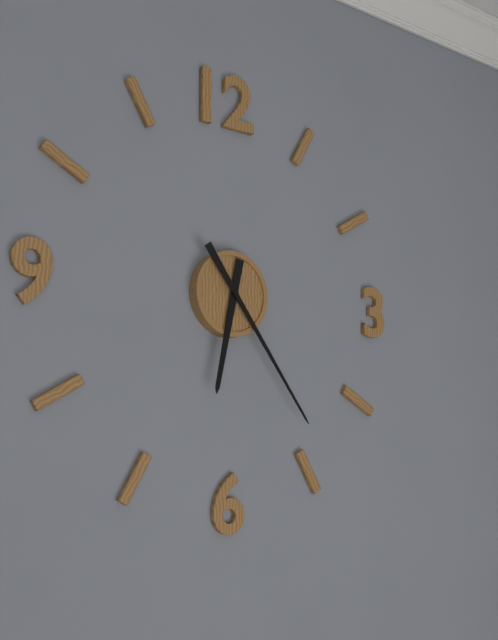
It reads {"hour": 6, "minute": 24}
